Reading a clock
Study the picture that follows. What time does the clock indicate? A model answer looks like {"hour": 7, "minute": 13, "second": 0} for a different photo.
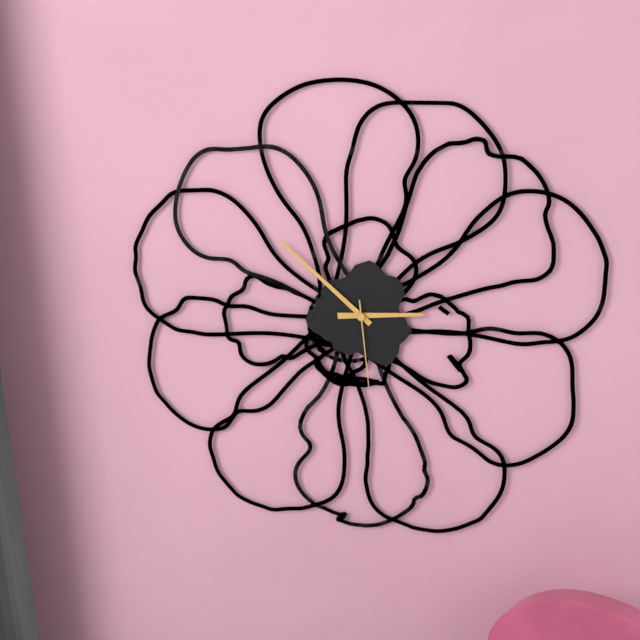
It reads {"hour": 2, "minute": 52, "second": 29}
